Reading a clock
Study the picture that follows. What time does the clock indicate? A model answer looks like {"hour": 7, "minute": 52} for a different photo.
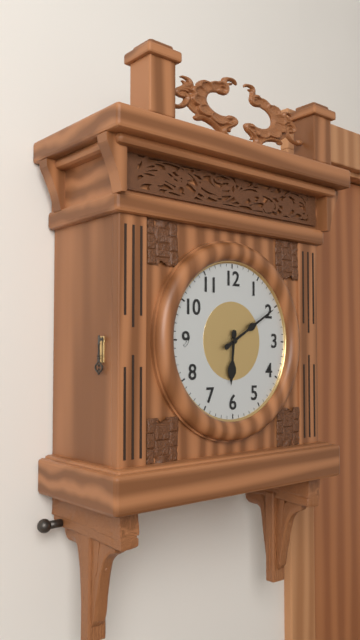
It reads {"hour": 6, "minute": 10}
